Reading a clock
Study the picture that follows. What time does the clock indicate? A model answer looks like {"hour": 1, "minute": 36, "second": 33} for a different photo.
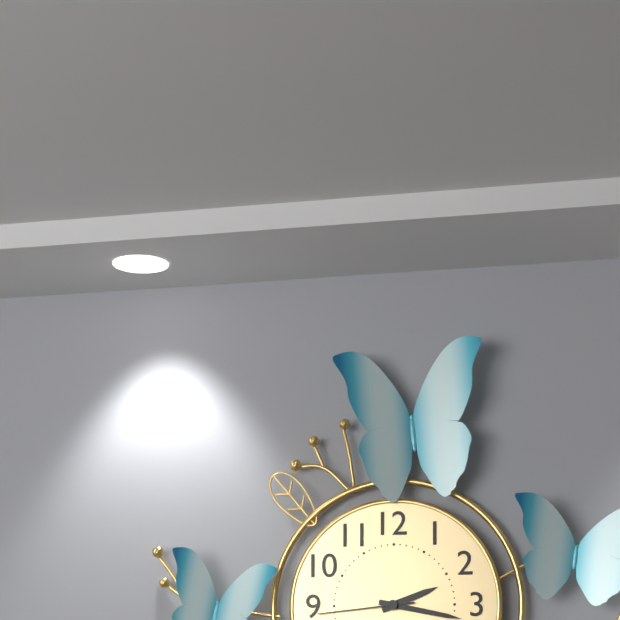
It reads {"hour": 2, "minute": 17, "second": 44}
